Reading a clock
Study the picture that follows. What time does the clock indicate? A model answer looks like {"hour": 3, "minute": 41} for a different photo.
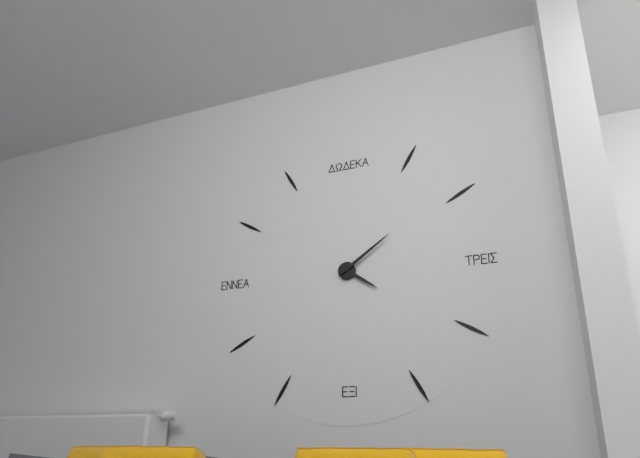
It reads {"hour": 4, "minute": 9}
